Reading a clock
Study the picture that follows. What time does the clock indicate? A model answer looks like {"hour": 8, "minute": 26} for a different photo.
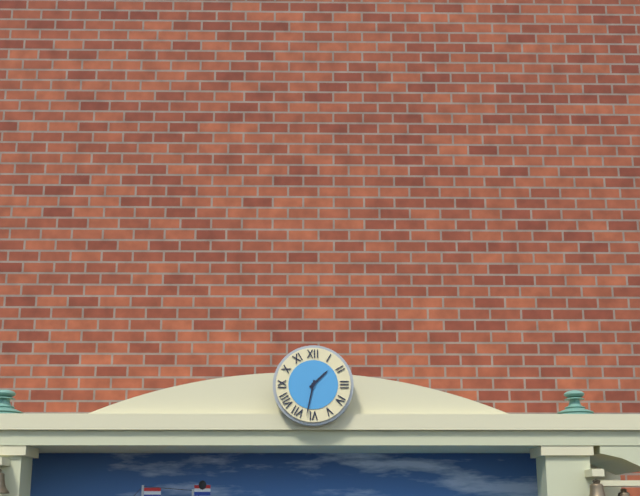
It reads {"hour": 1, "minute": 32}
